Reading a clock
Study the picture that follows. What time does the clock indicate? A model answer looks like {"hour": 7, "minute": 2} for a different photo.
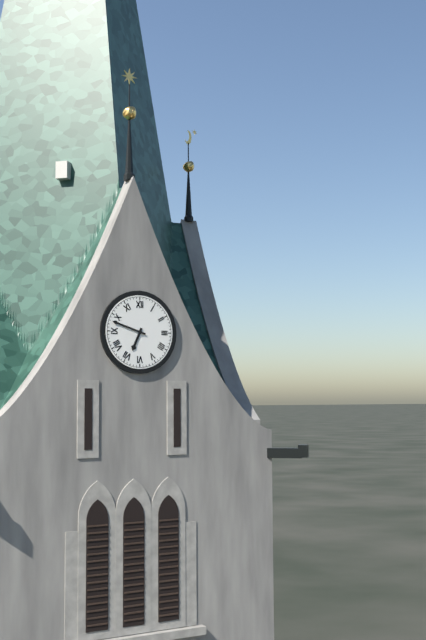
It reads {"hour": 6, "minute": 48}
